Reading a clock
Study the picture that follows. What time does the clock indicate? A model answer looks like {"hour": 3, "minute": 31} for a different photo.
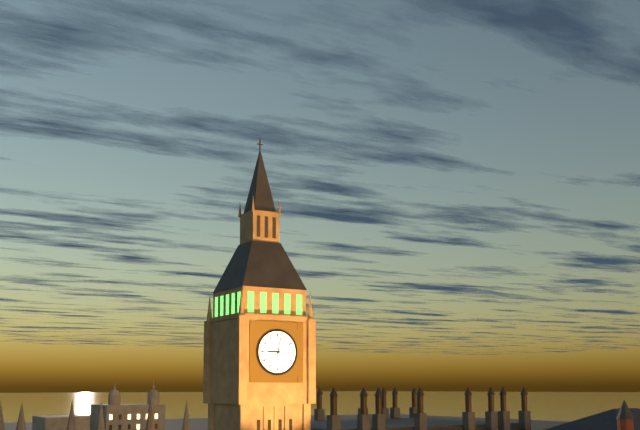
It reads {"hour": 9, "minute": 2}
